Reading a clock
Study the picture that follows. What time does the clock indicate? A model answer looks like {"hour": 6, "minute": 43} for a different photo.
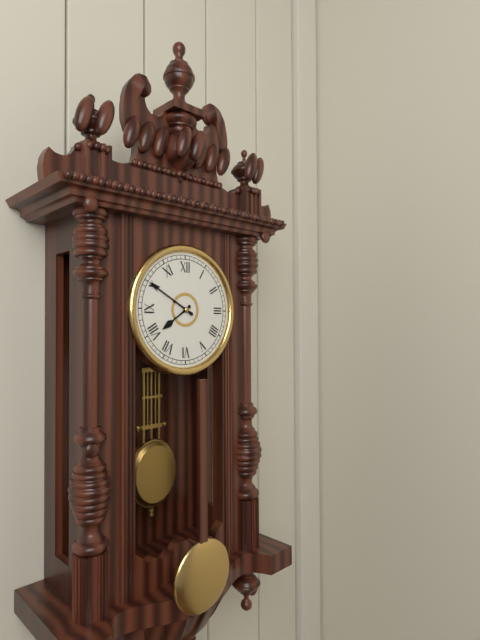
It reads {"hour": 7, "minute": 50}
